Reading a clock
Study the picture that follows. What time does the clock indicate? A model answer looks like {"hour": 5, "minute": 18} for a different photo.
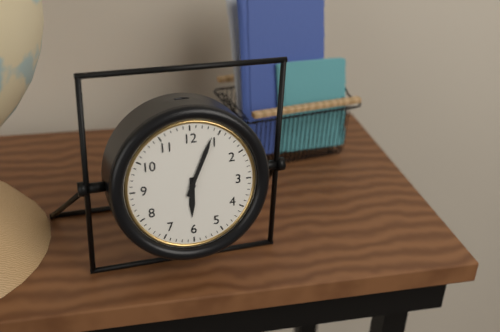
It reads {"hour": 6, "minute": 4}
